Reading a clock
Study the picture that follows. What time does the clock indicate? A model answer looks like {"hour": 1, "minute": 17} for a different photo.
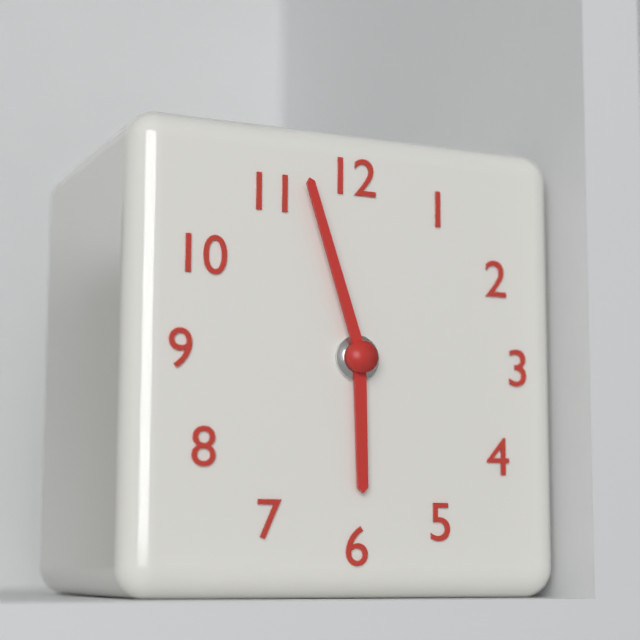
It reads {"hour": 5, "minute": 57}
